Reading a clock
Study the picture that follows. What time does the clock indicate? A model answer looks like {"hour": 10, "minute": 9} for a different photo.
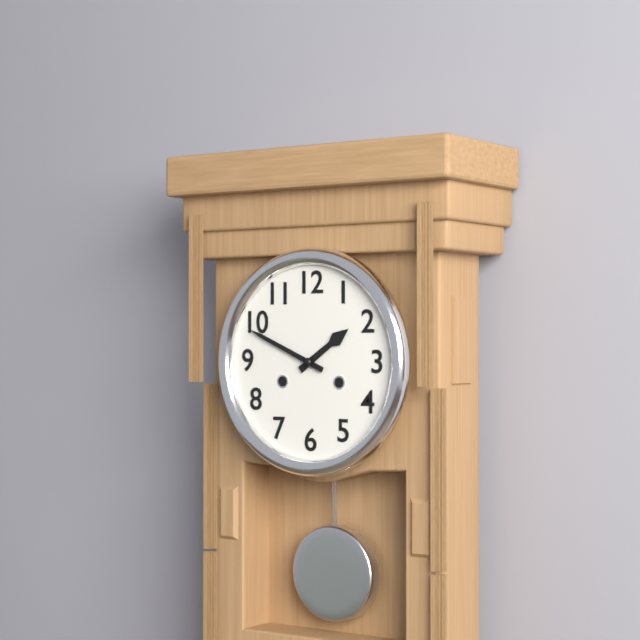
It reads {"hour": 1, "minute": 49}
